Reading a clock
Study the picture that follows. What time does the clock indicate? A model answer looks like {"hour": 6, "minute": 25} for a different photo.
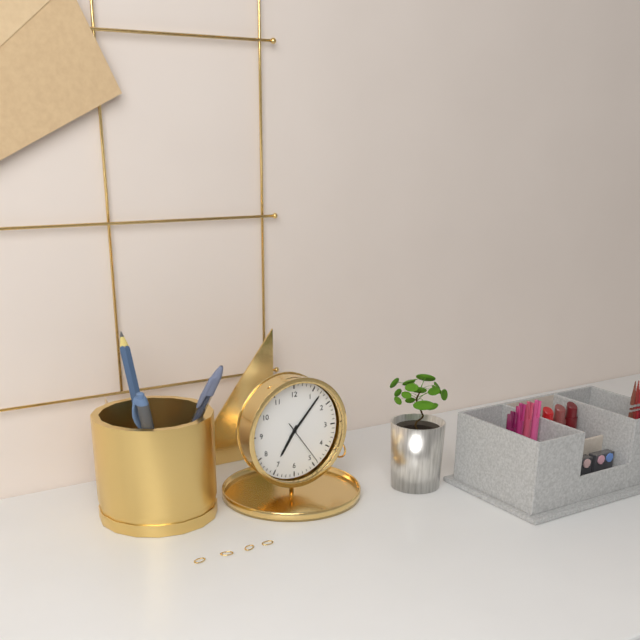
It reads {"hour": 7, "minute": 7}
